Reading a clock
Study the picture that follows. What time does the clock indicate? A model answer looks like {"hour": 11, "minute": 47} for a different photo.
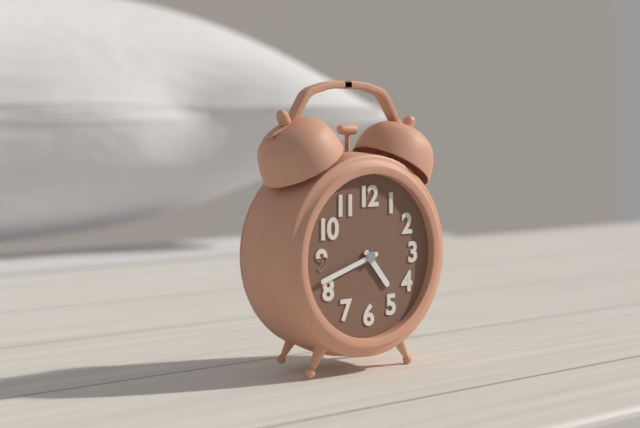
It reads {"hour": 4, "minute": 42}
